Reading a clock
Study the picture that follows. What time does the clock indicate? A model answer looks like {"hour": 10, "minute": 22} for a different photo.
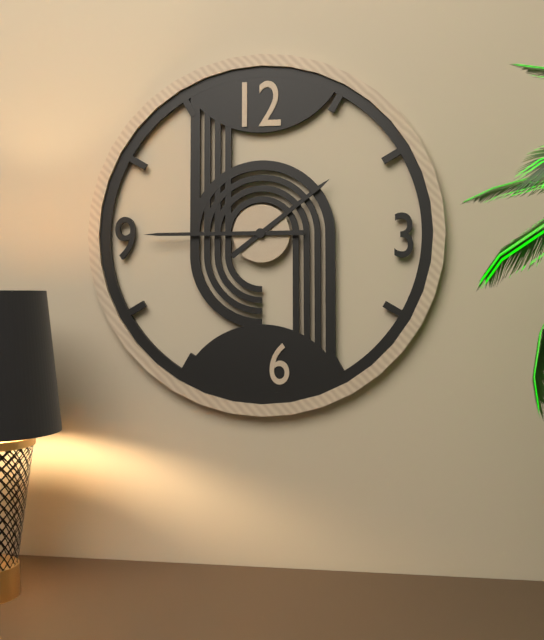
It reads {"hour": 1, "minute": 45}
